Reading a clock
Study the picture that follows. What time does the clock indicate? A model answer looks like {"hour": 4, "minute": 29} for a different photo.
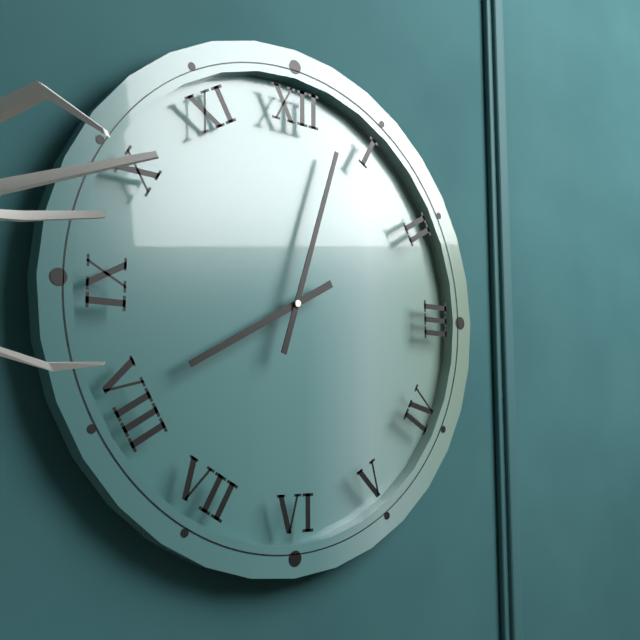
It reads {"hour": 8, "minute": 3}
